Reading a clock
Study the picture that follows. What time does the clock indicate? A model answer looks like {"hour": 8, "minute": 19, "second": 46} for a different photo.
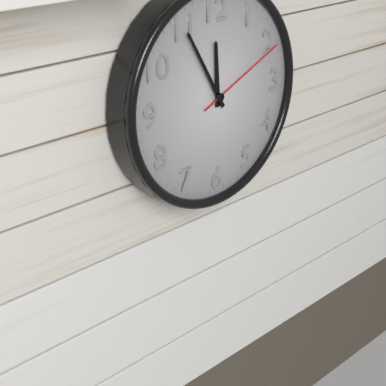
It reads {"hour": 11, "minute": 55, "second": 11}
